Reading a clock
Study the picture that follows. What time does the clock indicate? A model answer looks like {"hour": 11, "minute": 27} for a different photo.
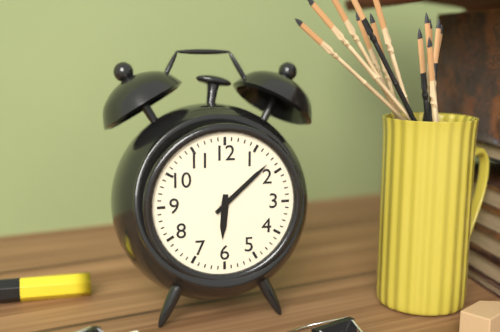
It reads {"hour": 6, "minute": 8}
